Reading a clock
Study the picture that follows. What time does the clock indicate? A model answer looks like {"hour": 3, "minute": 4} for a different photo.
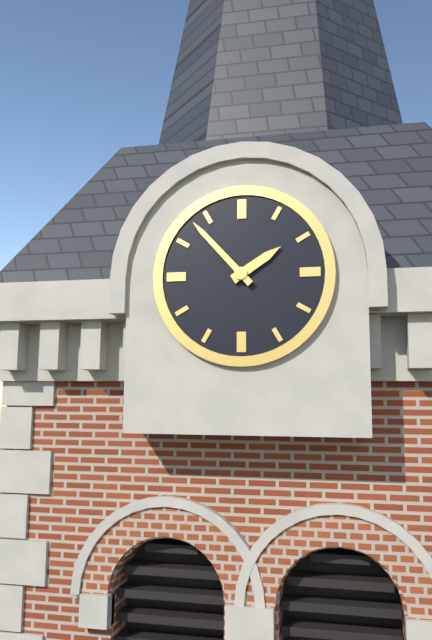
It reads {"hour": 1, "minute": 53}
